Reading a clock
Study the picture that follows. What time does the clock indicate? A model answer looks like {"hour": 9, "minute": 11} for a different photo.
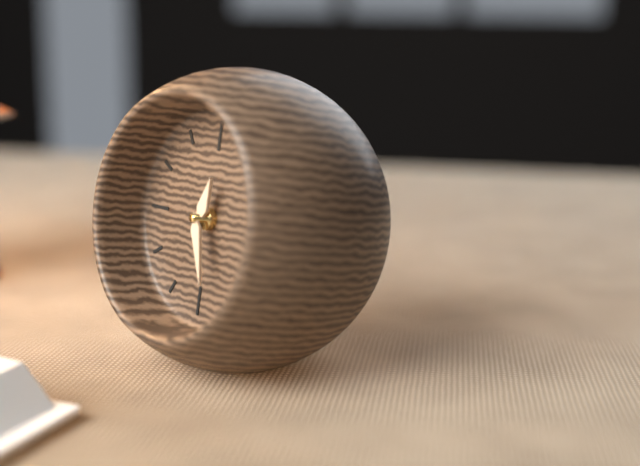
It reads {"hour": 12, "minute": 27}
